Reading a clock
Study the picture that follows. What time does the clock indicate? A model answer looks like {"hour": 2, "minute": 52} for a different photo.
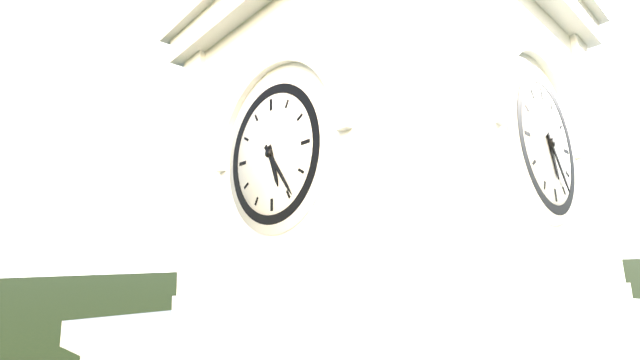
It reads {"hour": 5, "minute": 24}
